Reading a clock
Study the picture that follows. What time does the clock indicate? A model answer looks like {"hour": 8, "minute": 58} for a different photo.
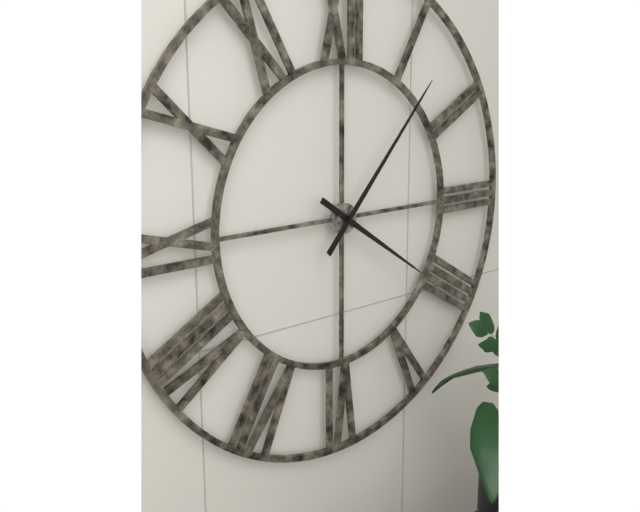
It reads {"hour": 4, "minute": 7}
